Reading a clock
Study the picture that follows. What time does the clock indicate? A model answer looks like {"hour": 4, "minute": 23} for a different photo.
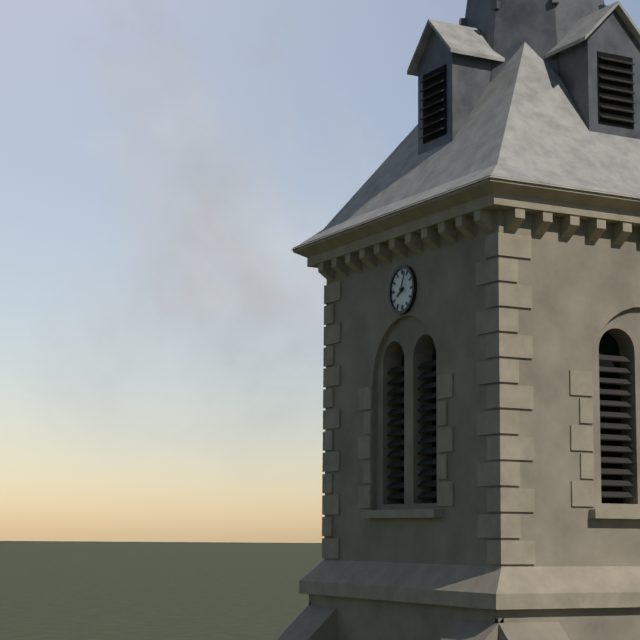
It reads {"hour": 8, "minute": 4}
